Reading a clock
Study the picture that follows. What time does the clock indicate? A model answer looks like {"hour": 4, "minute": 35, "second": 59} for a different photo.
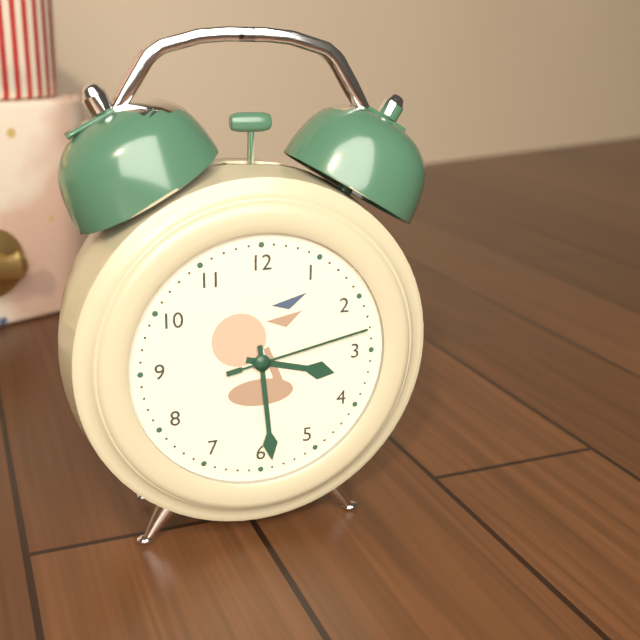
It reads {"hour": 3, "minute": 29, "second": 13}
